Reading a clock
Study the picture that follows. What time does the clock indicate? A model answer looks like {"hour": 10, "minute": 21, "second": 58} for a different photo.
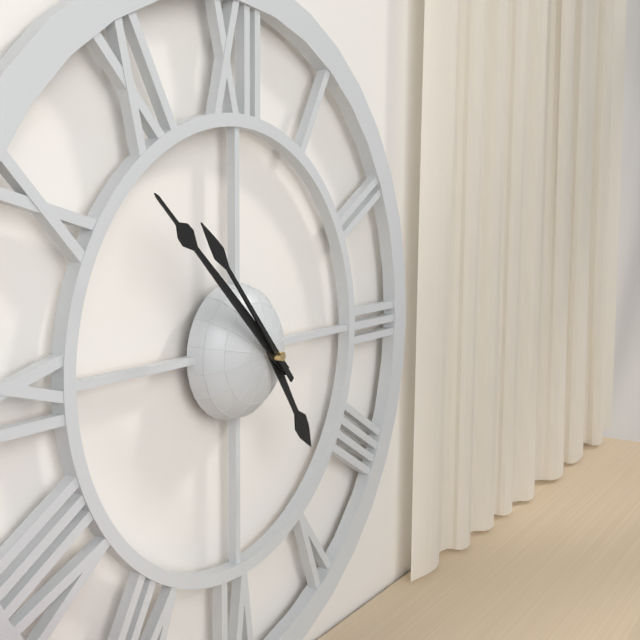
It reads {"hour": 4, "minute": 52, "second": 53}
